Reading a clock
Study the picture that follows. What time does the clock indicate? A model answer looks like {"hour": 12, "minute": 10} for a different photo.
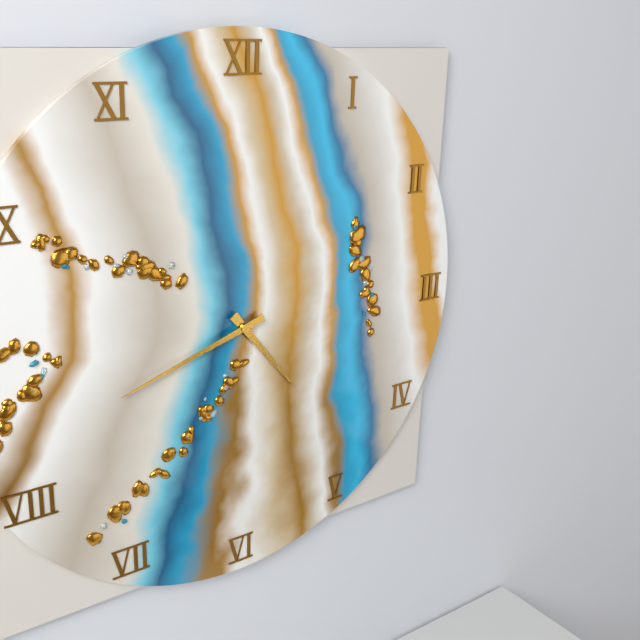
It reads {"hour": 4, "minute": 42}
